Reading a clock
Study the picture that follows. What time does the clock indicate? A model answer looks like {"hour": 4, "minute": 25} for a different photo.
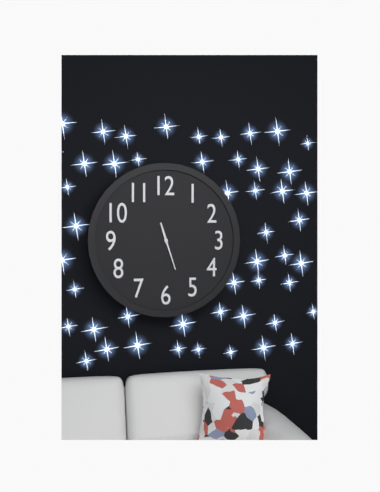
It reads {"hour": 11, "minute": 27}
